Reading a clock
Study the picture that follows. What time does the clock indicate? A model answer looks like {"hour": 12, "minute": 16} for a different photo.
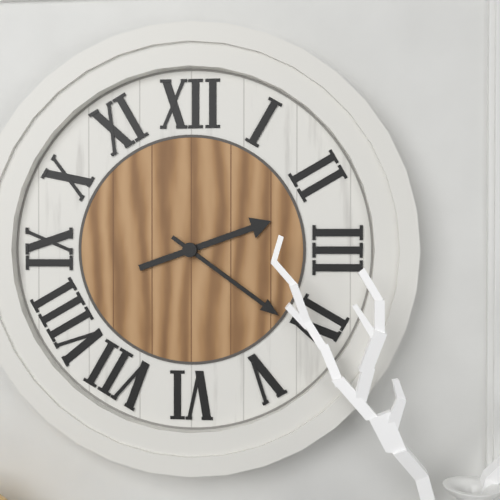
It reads {"hour": 2, "minute": 21}
